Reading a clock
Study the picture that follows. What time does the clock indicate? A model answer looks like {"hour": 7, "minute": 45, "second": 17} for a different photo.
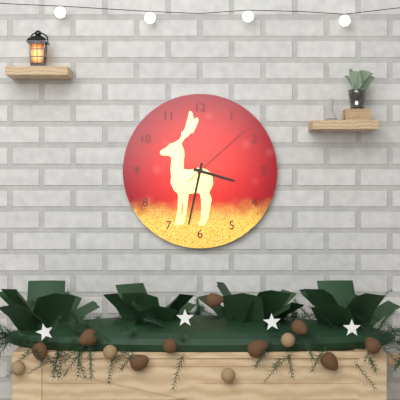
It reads {"hour": 3, "minute": 32, "second": 8}
